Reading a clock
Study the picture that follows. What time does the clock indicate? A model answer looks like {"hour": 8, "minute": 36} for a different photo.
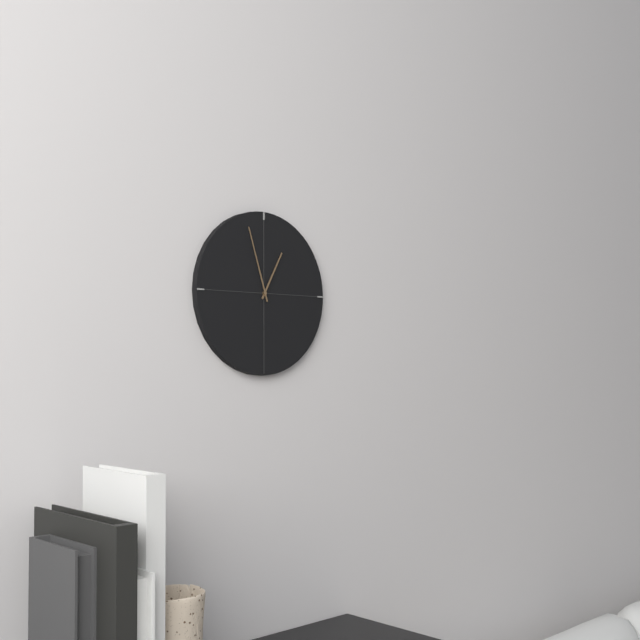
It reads {"hour": 12, "minute": 57}
